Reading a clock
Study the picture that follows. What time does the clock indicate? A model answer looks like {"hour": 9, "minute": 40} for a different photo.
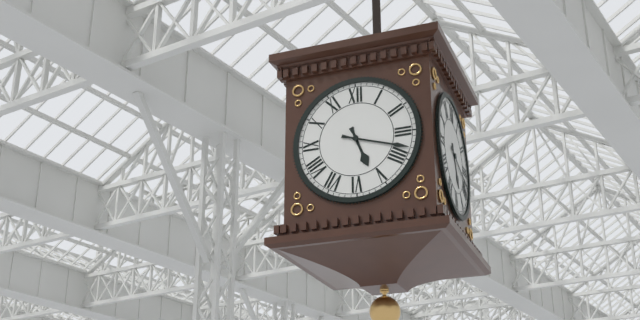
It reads {"hour": 5, "minute": 18}
